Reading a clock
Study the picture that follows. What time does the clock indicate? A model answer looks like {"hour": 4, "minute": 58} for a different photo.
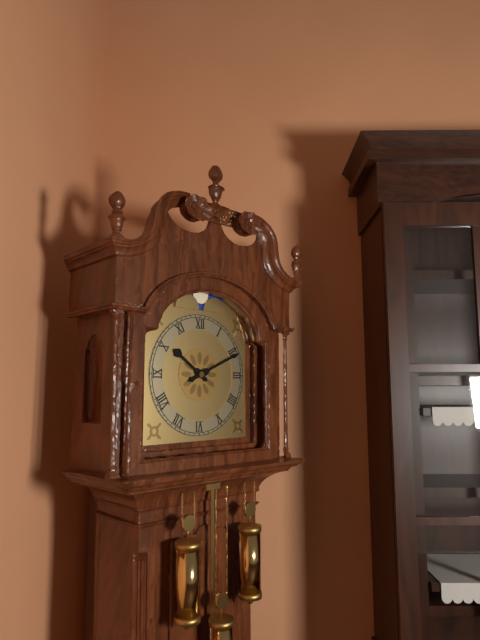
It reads {"hour": 10, "minute": 11}
